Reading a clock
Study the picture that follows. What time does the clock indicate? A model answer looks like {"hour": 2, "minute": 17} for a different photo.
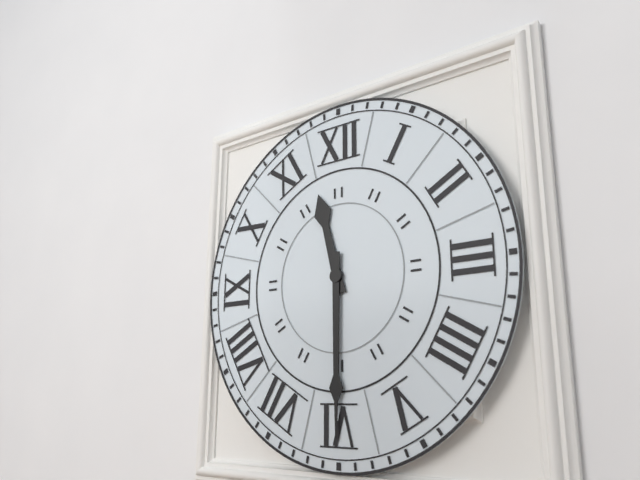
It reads {"hour": 11, "minute": 30}
